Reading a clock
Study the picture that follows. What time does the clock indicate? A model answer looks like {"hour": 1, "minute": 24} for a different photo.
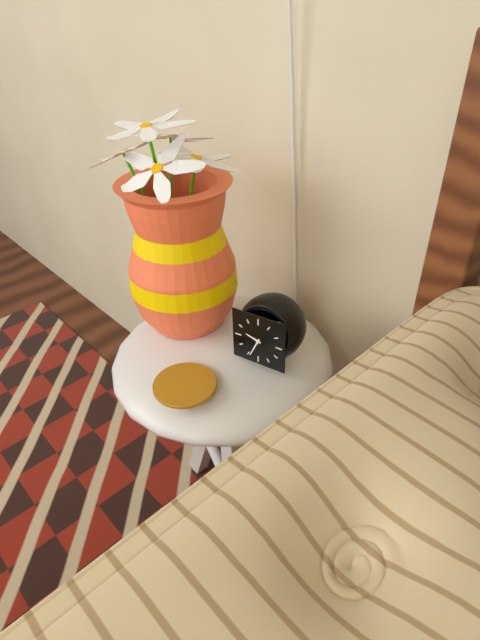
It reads {"hour": 9, "minute": 34}
